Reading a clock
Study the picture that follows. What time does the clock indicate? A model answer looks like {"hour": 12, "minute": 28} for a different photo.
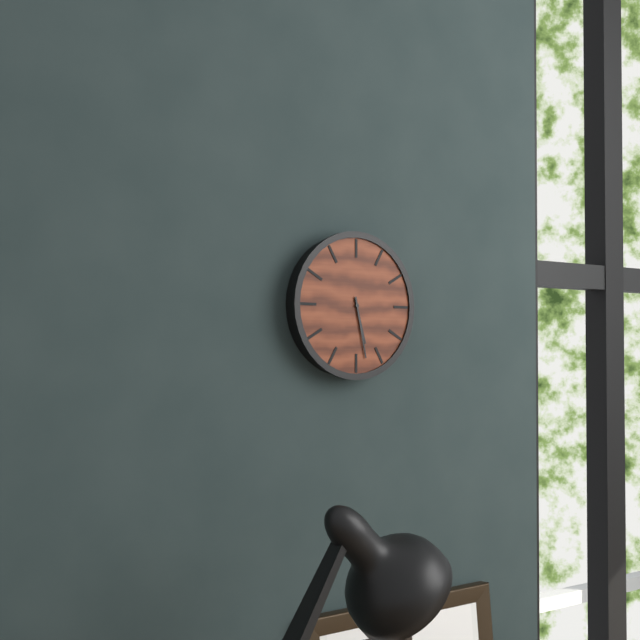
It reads {"hour": 5, "minute": 28}
